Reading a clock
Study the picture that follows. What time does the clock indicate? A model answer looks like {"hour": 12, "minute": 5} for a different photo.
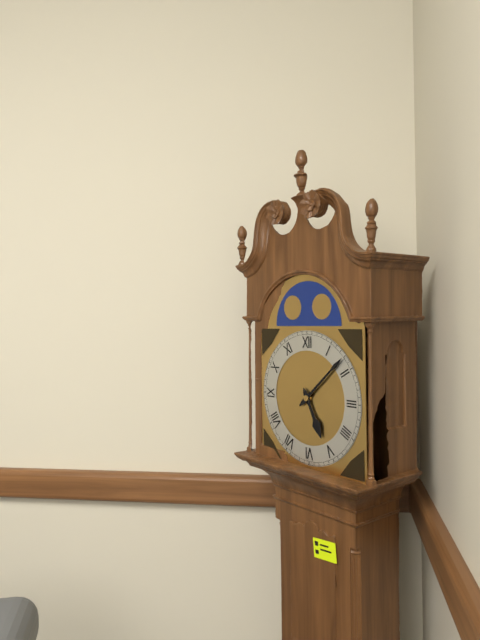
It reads {"hour": 5, "minute": 8}
